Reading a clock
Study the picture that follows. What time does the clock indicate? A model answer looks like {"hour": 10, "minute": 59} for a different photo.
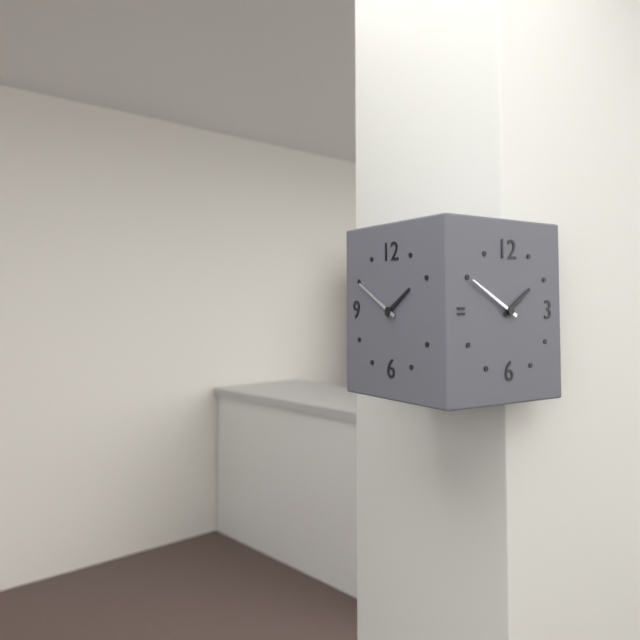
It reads {"hour": 1, "minute": 50}
